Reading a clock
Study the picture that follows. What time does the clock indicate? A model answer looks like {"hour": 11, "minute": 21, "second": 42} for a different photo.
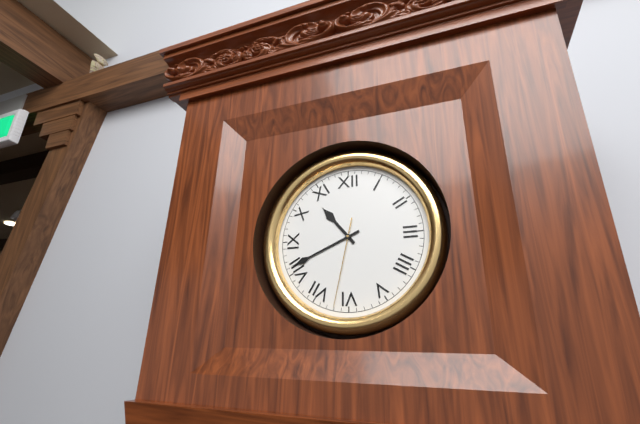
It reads {"hour": 10, "minute": 41, "second": 32}
